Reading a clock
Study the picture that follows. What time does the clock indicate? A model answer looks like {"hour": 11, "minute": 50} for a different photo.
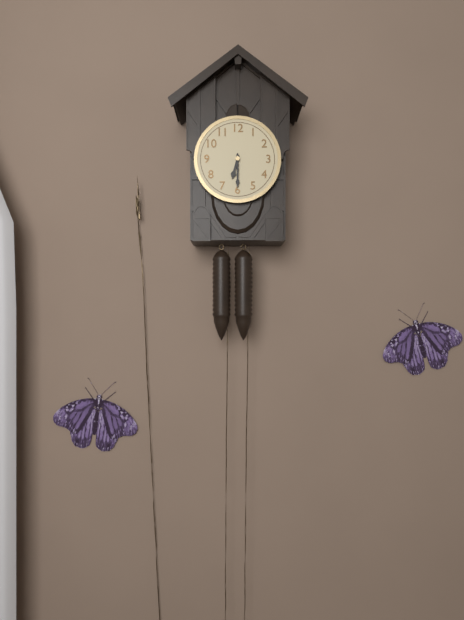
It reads {"hour": 6, "minute": 30}
